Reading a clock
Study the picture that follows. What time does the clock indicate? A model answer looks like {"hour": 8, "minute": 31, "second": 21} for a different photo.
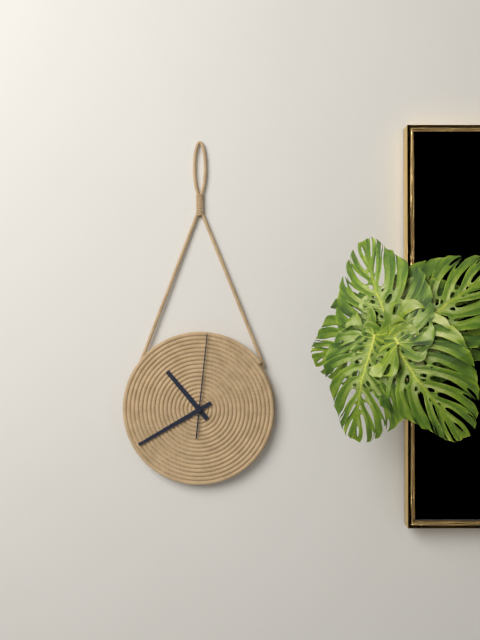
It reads {"hour": 10, "minute": 40, "second": 1}
